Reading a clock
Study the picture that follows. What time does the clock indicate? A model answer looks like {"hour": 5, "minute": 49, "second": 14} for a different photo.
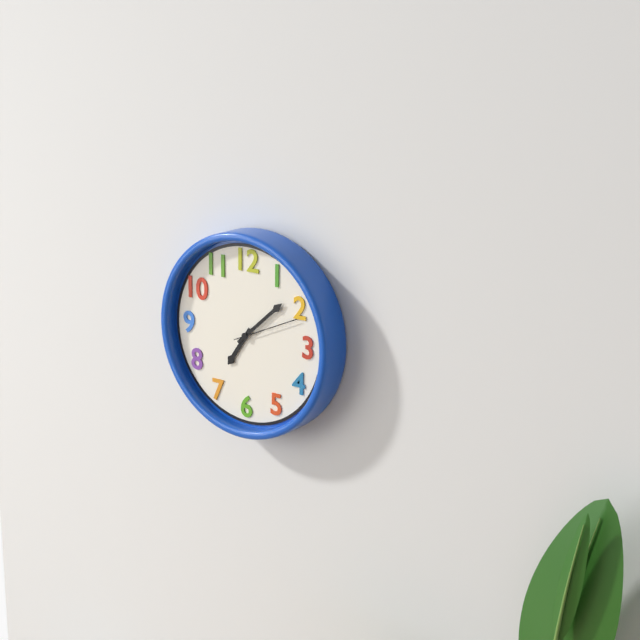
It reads {"hour": 7, "minute": 8, "second": 11}
